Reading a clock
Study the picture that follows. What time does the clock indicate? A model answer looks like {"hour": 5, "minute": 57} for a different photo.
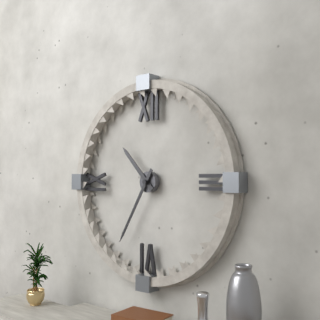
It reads {"hour": 10, "minute": 35}
